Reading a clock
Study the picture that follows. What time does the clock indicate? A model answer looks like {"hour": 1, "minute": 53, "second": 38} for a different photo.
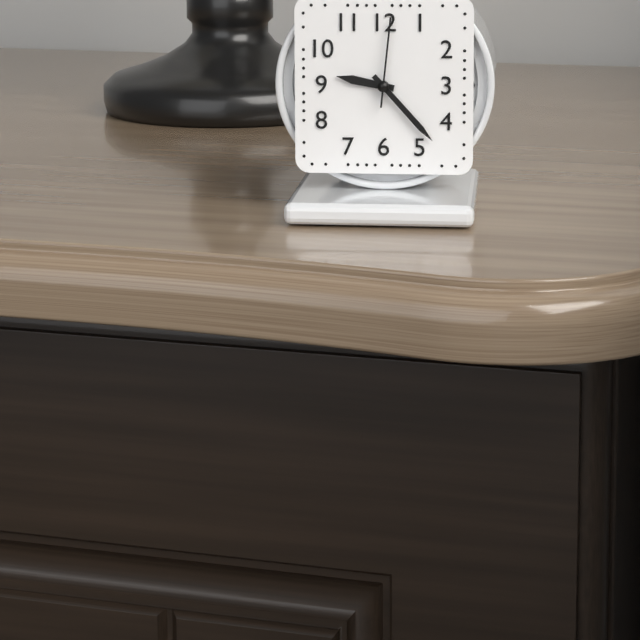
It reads {"hour": 9, "minute": 23, "second": 1}
